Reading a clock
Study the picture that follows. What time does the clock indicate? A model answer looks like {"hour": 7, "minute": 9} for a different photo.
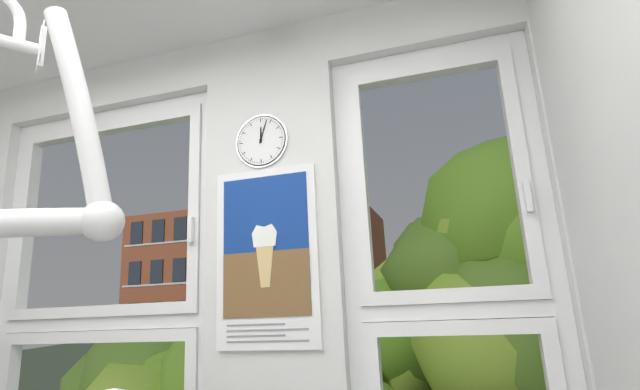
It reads {"hour": 12, "minute": 3}
